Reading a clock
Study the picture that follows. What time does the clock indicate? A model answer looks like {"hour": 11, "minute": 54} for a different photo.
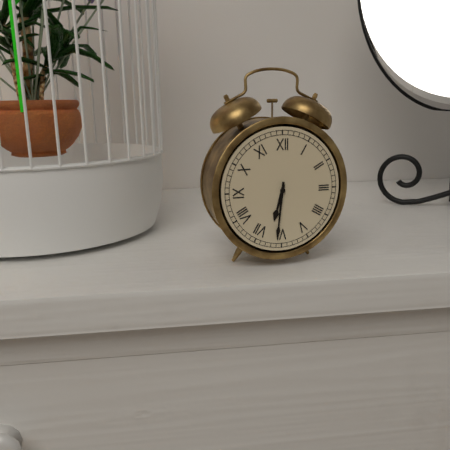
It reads {"hour": 6, "minute": 31}
